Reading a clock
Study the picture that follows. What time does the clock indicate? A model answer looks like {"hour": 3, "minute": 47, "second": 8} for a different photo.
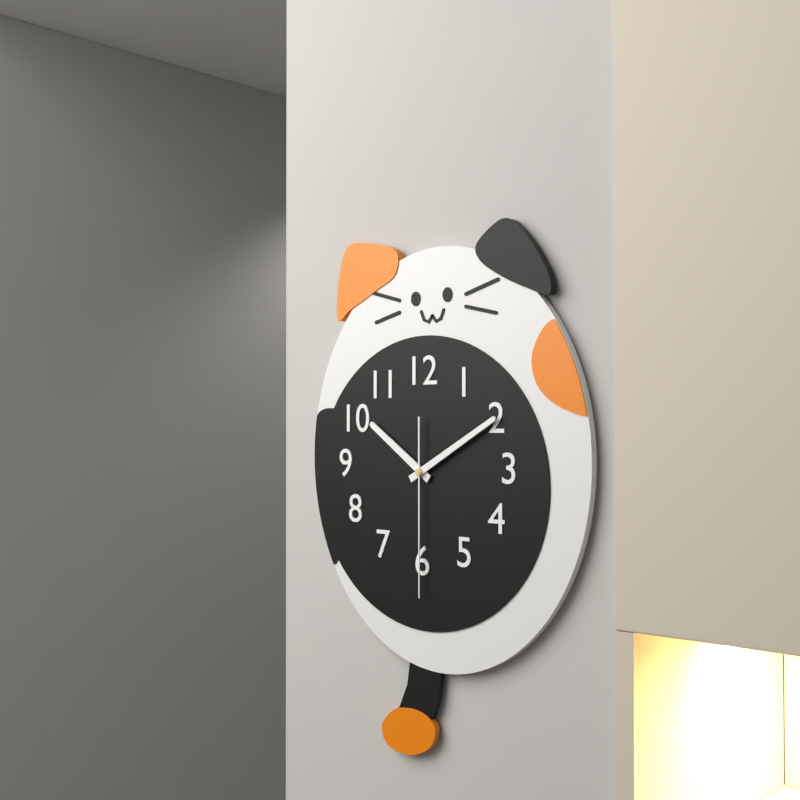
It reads {"hour": 10, "minute": 10, "second": 30}
